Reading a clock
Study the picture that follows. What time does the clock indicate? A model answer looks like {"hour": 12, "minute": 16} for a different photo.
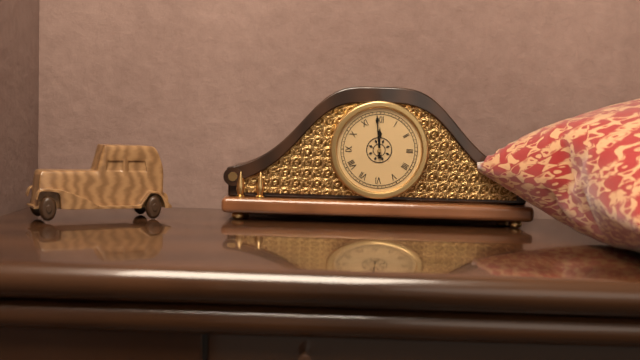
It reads {"hour": 11, "minute": 59}
